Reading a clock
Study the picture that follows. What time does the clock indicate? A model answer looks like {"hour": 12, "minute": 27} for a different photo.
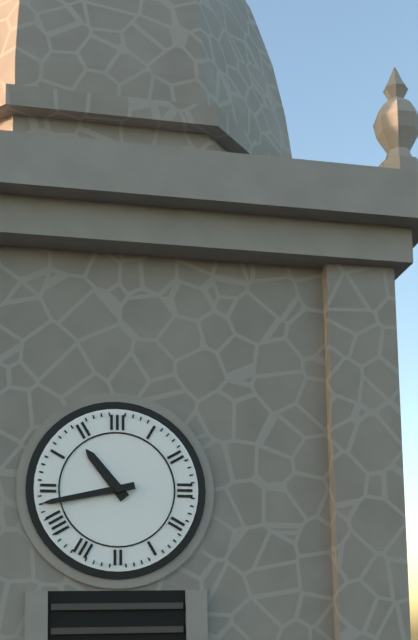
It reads {"hour": 10, "minute": 43}
